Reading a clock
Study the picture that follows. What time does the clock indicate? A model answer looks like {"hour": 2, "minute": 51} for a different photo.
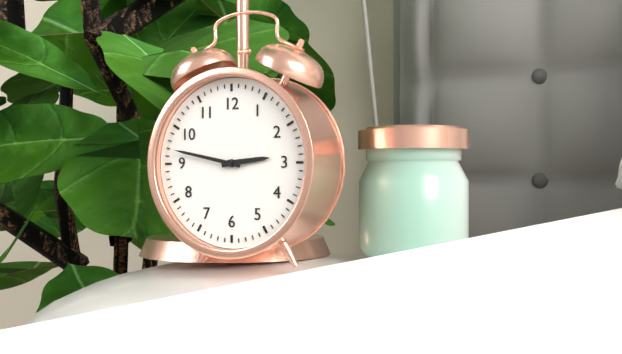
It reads {"hour": 2, "minute": 47}
